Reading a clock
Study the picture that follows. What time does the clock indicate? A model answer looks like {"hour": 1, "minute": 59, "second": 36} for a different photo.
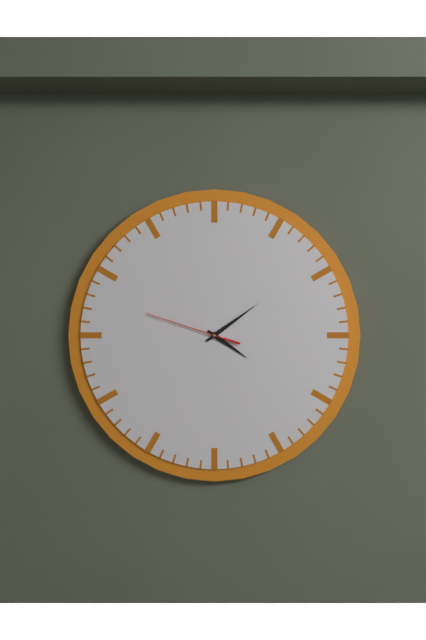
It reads {"hour": 4, "minute": 9, "second": 48}
